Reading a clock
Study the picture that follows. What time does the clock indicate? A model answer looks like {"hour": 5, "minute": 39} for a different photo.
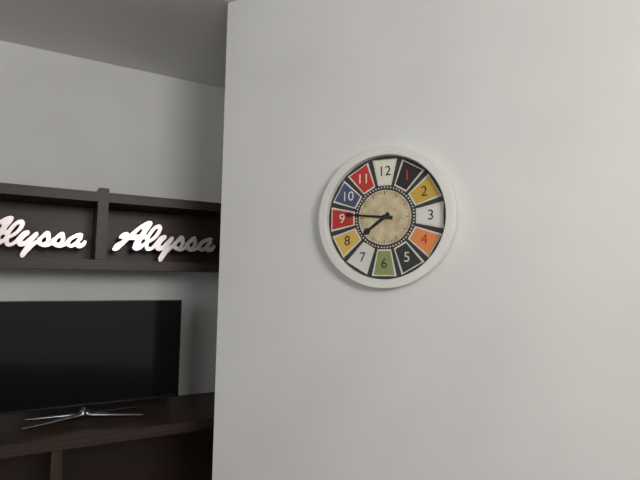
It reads {"hour": 7, "minute": 46}
